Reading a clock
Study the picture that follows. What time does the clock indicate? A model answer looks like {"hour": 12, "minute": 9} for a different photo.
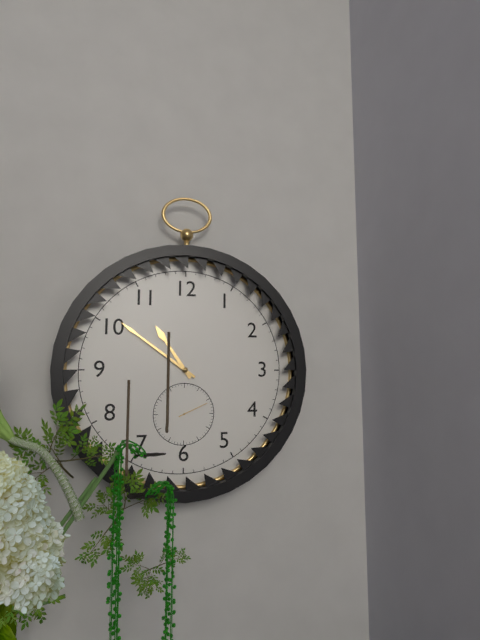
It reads {"hour": 10, "minute": 51}
